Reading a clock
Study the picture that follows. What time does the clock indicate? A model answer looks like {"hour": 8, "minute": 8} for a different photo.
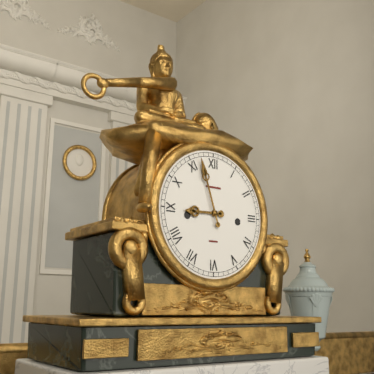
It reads {"hour": 8, "minute": 57}
